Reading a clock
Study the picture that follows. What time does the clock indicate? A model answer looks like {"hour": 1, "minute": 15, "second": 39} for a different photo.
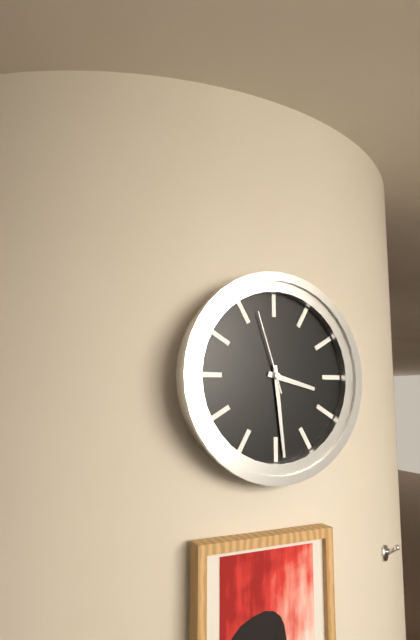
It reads {"hour": 3, "minute": 29, "second": 57}
